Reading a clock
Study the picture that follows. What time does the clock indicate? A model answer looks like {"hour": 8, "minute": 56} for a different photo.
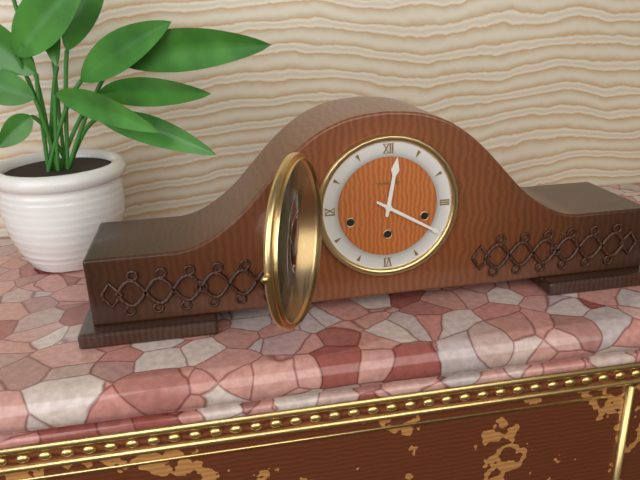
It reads {"hour": 12, "minute": 20}
